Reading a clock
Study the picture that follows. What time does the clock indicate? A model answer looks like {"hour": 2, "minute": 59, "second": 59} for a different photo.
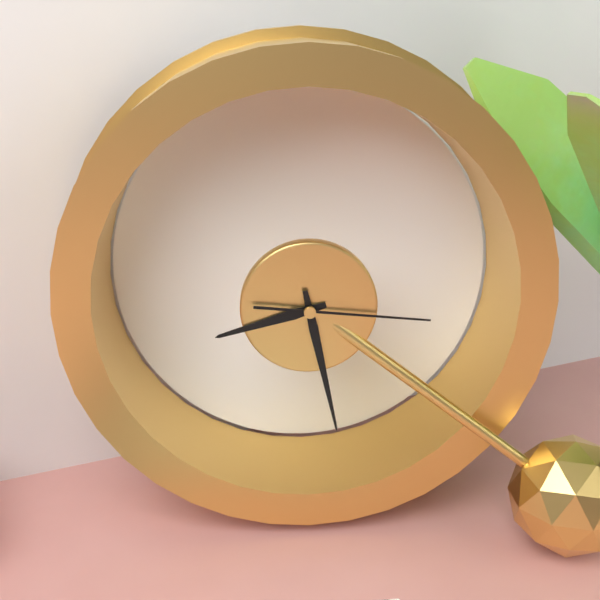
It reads {"hour": 8, "minute": 28, "second": 16}
